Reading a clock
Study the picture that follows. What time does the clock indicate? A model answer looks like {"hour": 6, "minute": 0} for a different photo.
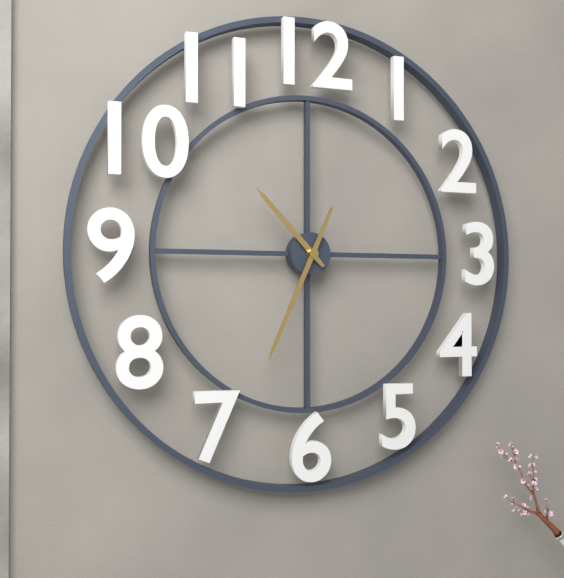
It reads {"hour": 10, "minute": 34}
